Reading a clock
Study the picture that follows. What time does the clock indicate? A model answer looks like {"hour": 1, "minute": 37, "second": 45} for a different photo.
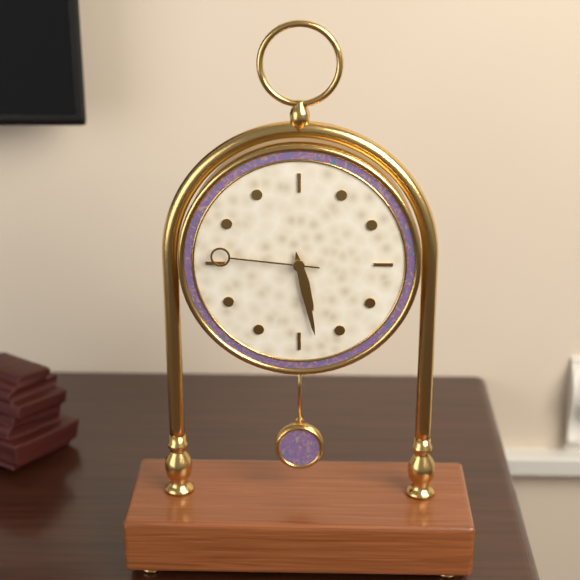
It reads {"hour": 5, "minute": 28, "second": 46}
